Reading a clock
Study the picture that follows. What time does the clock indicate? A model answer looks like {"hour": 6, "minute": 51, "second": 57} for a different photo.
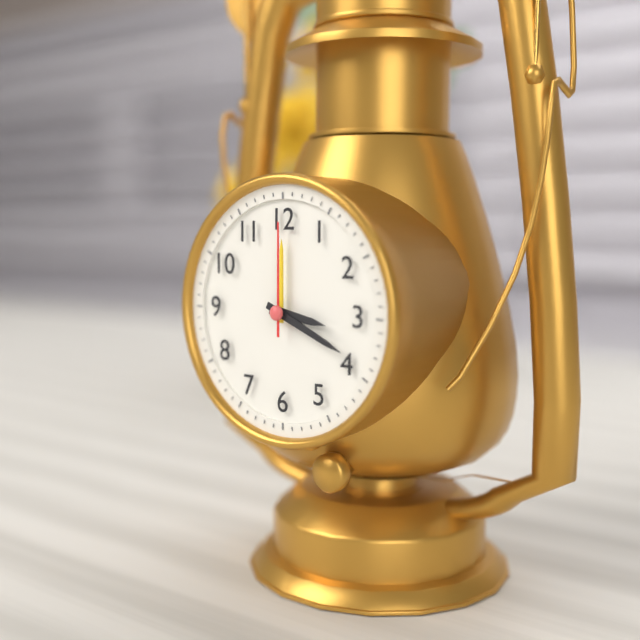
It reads {"hour": 3, "minute": 19, "second": 0}
